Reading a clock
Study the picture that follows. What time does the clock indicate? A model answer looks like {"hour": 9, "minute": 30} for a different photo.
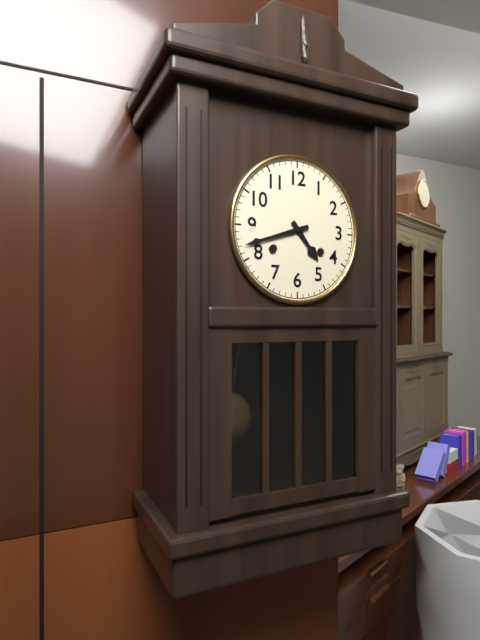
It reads {"hour": 4, "minute": 42}
